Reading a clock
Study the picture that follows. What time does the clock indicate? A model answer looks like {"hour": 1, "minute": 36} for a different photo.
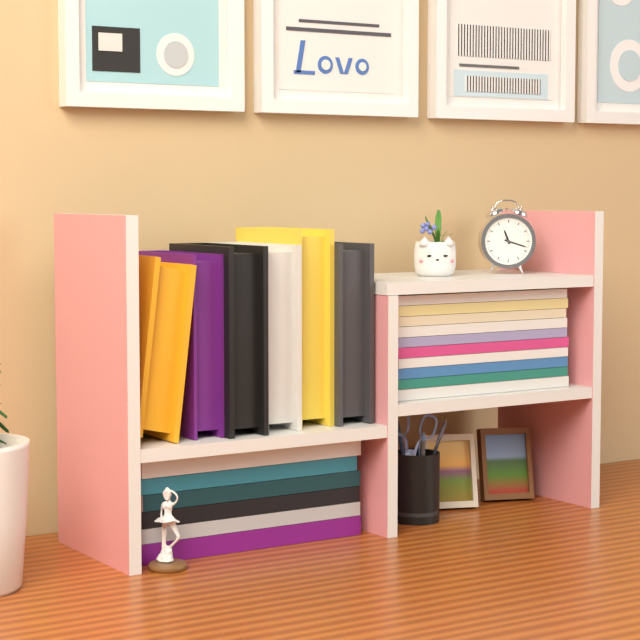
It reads {"hour": 11, "minute": 18}
